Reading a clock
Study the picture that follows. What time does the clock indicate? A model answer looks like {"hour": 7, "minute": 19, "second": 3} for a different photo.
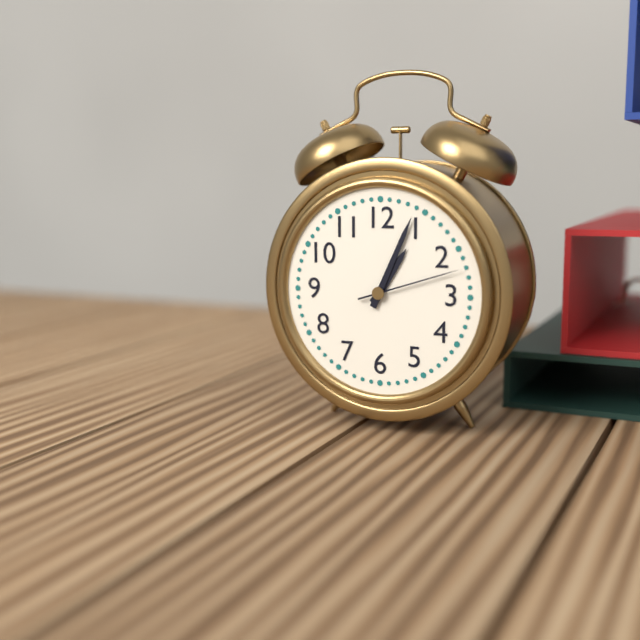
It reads {"hour": 1, "minute": 4, "second": 12}
